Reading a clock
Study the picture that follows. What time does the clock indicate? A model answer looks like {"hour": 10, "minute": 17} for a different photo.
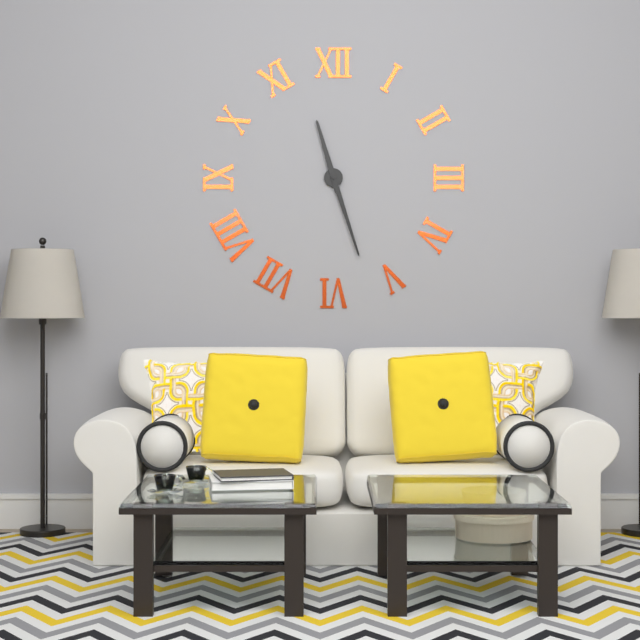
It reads {"hour": 11, "minute": 27}
